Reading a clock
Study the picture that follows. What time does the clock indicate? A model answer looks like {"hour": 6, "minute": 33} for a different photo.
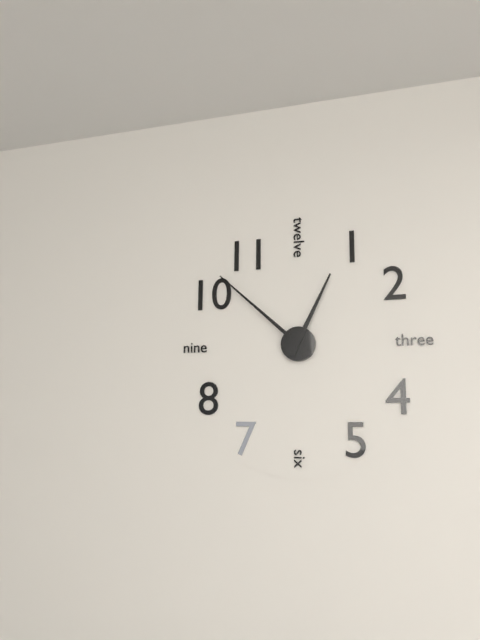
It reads {"hour": 12, "minute": 52}
